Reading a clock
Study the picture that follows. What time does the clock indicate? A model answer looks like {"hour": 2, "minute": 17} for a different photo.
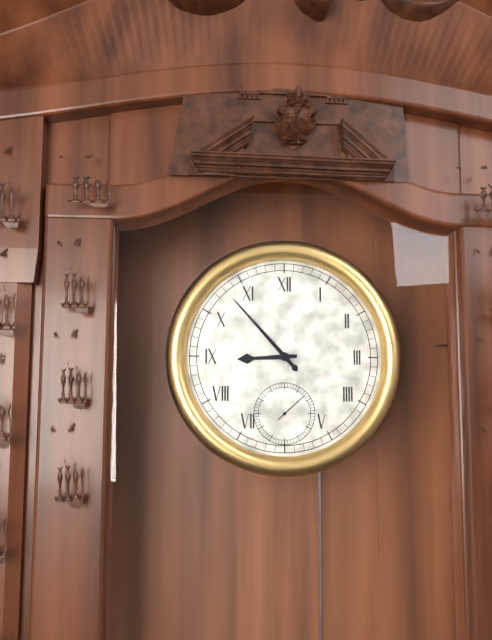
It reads {"hour": 8, "minute": 53}
